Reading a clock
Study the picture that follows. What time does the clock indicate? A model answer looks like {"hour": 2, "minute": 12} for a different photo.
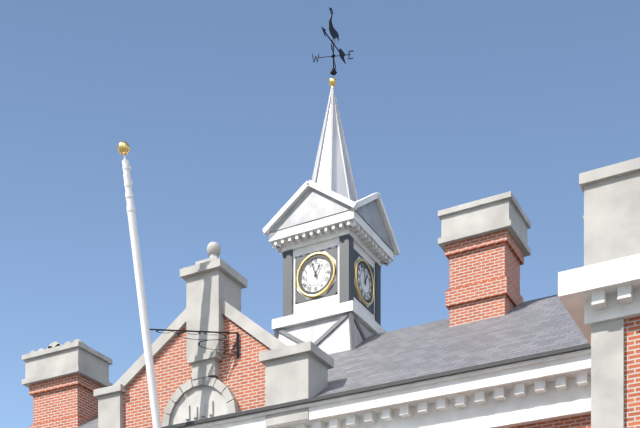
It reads {"hour": 12, "minute": 57}
